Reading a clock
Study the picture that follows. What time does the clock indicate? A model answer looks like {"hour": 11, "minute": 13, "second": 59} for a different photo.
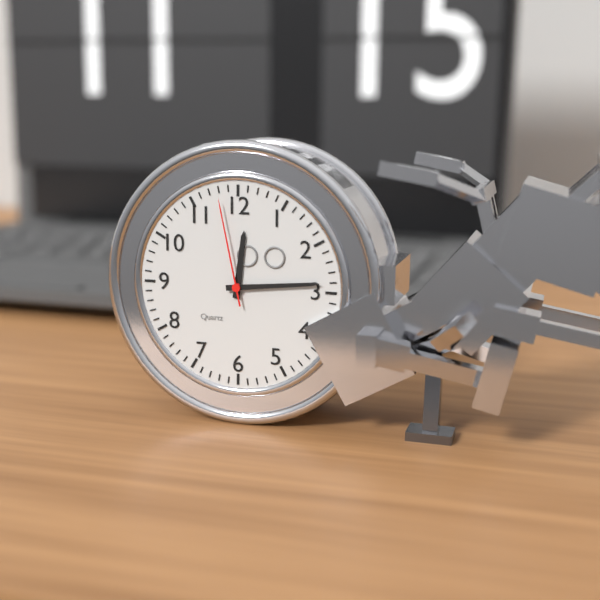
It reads {"hour": 12, "minute": 14, "second": 58}
